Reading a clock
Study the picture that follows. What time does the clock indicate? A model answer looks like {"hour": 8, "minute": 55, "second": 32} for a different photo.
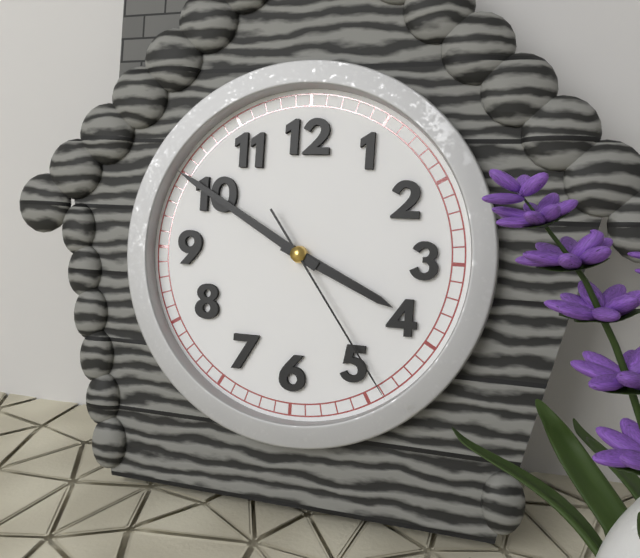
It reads {"hour": 3, "minute": 50, "second": 24}
